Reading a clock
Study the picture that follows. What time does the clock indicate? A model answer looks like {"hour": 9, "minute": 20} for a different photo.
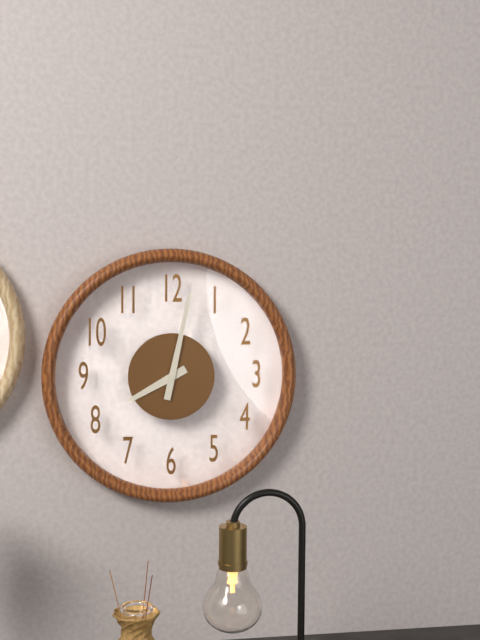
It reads {"hour": 8, "minute": 2}
